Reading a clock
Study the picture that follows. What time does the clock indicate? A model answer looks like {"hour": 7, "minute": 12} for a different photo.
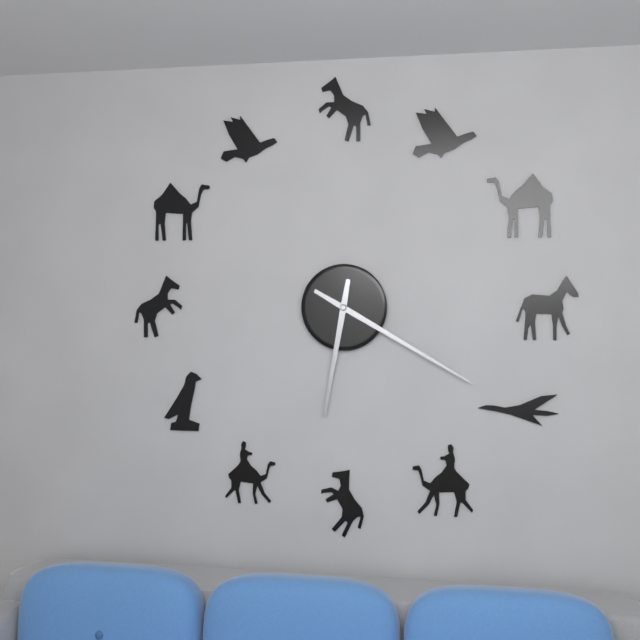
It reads {"hour": 6, "minute": 20}
